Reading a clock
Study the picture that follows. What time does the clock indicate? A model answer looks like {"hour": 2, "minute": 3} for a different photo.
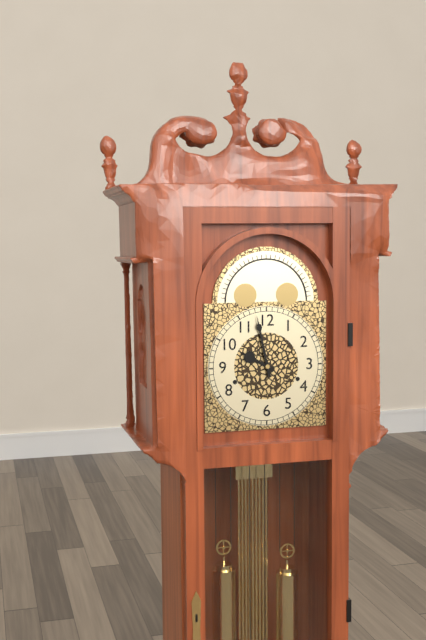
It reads {"hour": 9, "minute": 58}
